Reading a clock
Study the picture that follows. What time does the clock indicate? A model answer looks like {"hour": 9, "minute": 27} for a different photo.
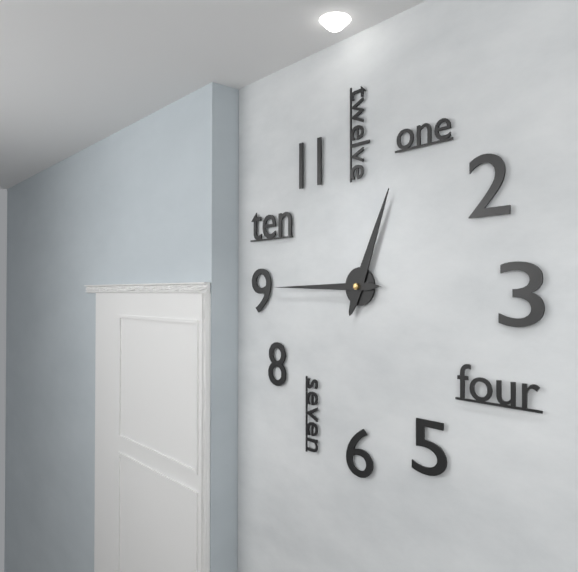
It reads {"hour": 12, "minute": 45}
